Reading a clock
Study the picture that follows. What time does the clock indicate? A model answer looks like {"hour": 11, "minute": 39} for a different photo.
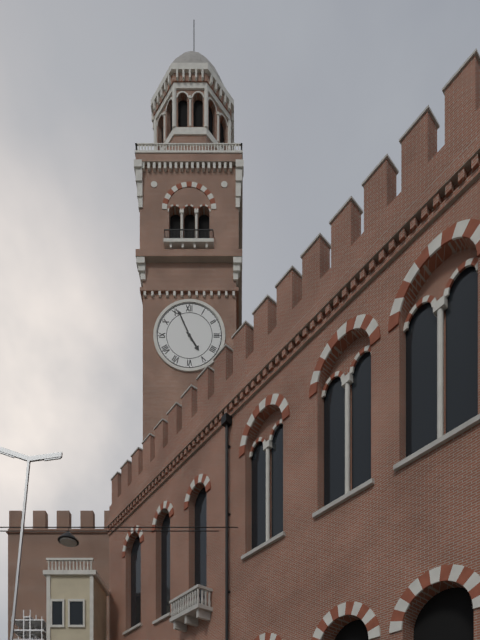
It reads {"hour": 4, "minute": 56}
